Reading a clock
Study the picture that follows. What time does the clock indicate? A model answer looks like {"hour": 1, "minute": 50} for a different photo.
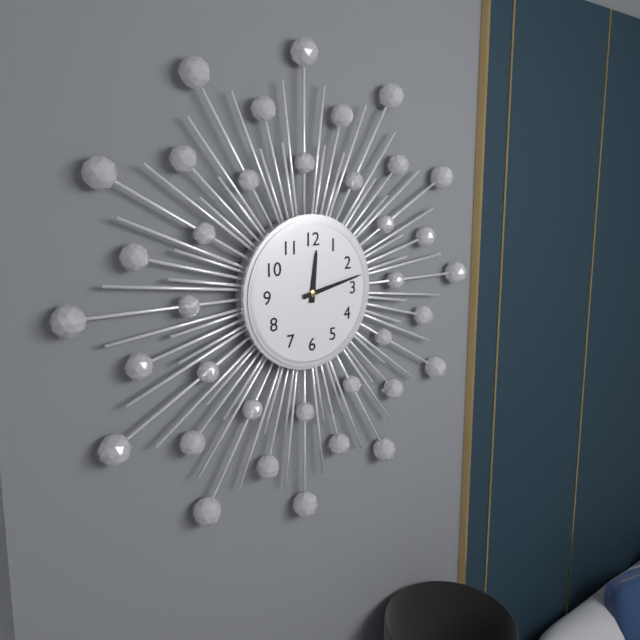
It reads {"hour": 12, "minute": 13}
